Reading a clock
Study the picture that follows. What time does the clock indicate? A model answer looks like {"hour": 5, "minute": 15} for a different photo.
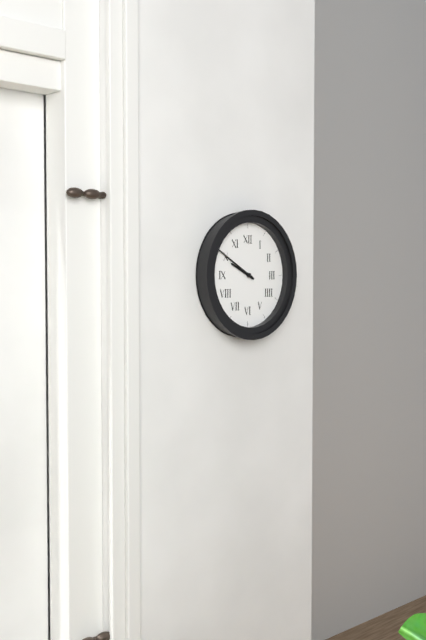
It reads {"hour": 9, "minute": 50}
